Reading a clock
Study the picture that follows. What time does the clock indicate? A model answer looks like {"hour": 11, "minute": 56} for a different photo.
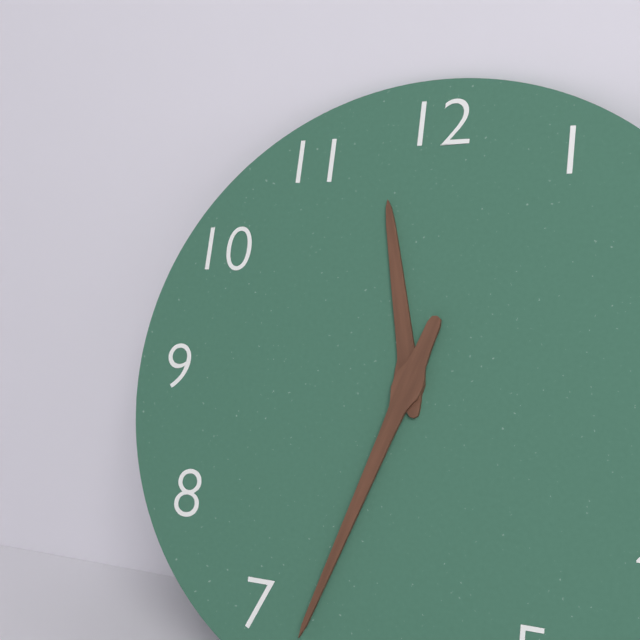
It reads {"hour": 11, "minute": 33}
